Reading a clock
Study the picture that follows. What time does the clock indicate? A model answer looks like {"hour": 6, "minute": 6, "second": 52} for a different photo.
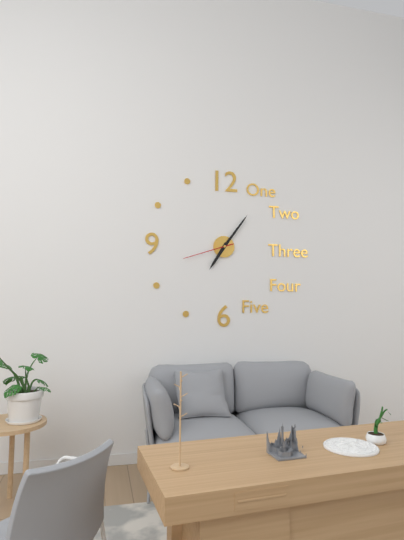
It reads {"hour": 7, "minute": 6, "second": 42}
